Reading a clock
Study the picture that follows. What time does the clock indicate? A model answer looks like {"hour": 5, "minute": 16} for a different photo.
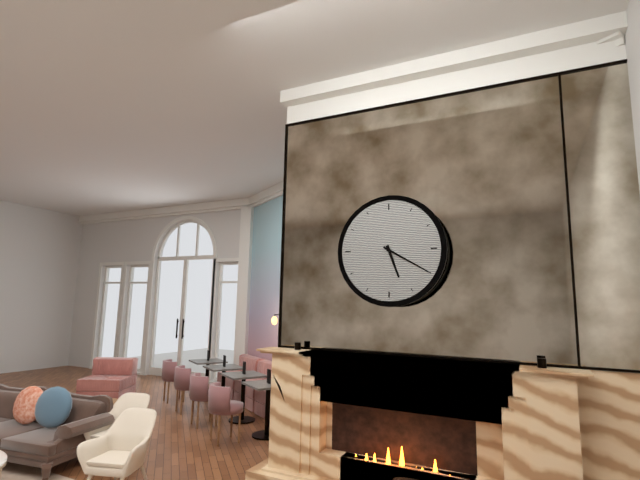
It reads {"hour": 5, "minute": 20}
